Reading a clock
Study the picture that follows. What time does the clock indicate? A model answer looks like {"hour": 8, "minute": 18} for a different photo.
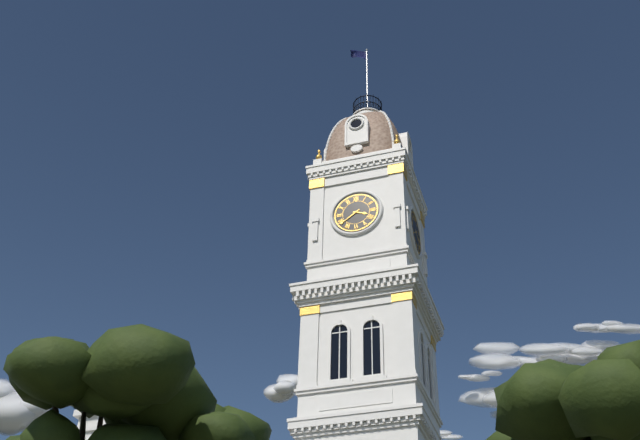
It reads {"hour": 3, "minute": 39}
